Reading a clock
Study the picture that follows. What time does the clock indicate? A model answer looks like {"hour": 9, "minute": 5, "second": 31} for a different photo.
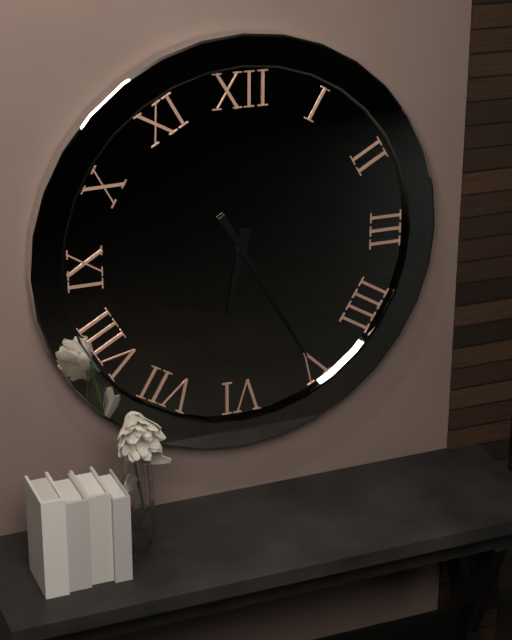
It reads {"hour": 6, "minute": 25, "second": 25}
